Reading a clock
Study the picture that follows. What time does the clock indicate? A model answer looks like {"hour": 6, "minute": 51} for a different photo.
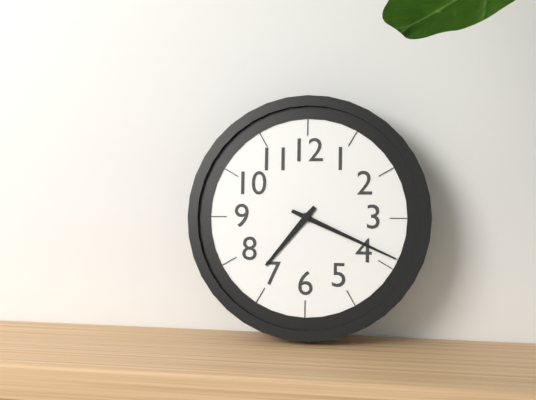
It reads {"hour": 7, "minute": 19}
